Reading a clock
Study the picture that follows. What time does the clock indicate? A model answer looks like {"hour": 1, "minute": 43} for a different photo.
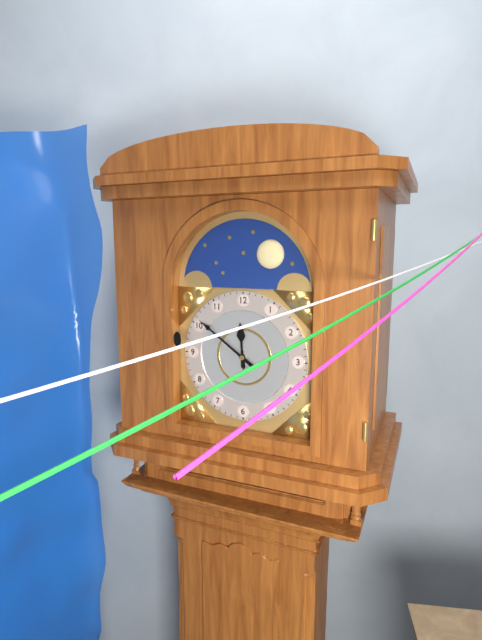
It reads {"hour": 11, "minute": 51}
